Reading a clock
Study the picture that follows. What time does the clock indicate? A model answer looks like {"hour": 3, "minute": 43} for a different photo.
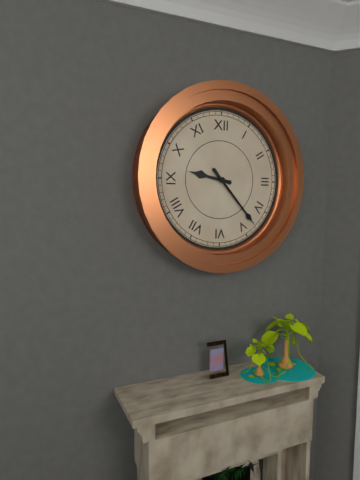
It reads {"hour": 9, "minute": 23}
